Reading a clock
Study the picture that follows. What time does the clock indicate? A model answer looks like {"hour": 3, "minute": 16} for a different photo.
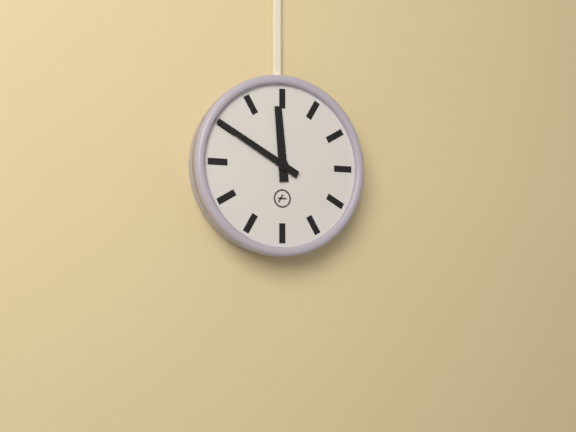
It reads {"hour": 11, "minute": 50}
